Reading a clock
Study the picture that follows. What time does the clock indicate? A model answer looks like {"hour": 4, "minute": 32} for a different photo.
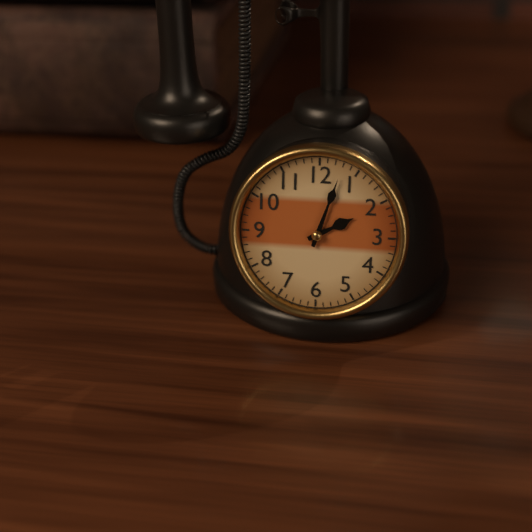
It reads {"hour": 2, "minute": 3}
